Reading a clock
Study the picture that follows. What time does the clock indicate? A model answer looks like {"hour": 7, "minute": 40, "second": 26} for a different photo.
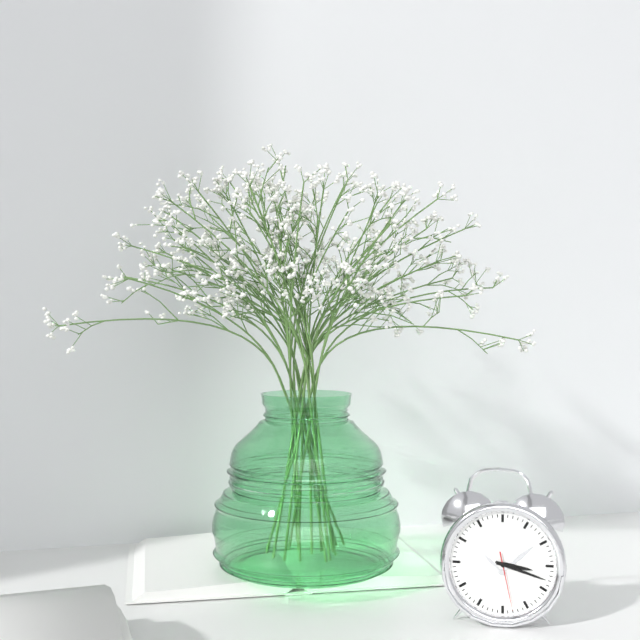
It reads {"hour": 3, "minute": 18, "second": 28}
